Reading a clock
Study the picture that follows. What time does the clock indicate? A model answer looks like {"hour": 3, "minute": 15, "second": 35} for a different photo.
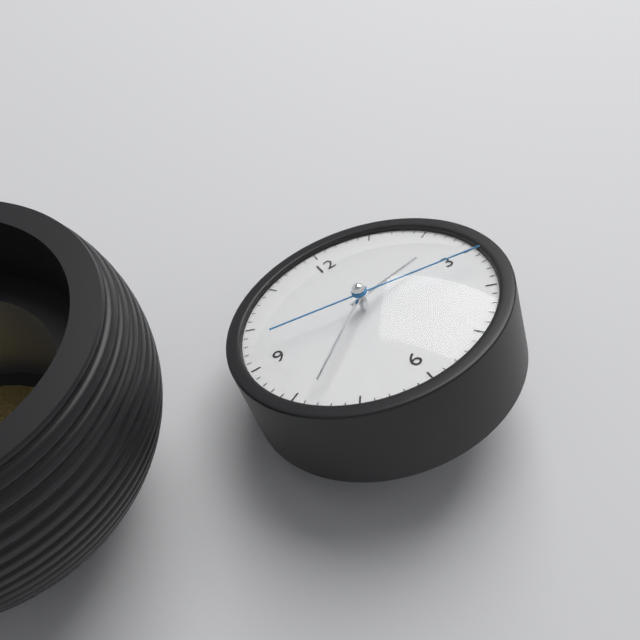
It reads {"hour": 2, "minute": 38, "second": 17}
